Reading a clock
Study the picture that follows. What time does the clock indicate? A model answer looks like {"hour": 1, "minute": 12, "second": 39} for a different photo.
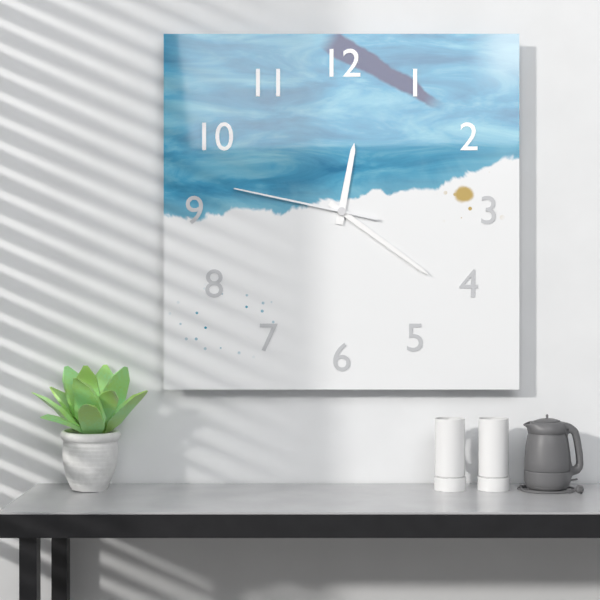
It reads {"hour": 12, "minute": 21, "second": 47}
